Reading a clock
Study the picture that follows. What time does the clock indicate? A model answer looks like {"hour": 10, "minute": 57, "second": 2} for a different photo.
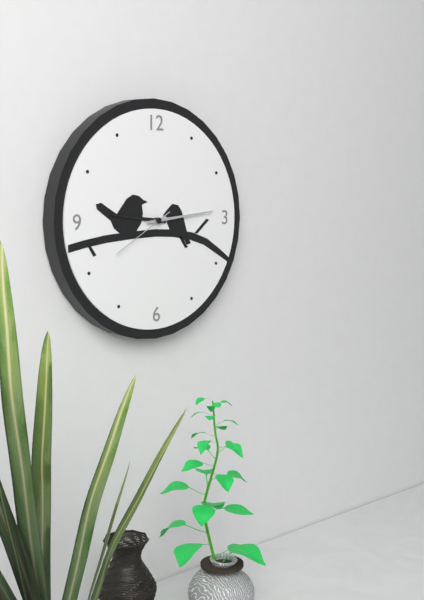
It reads {"hour": 9, "minute": 14, "second": 40}
